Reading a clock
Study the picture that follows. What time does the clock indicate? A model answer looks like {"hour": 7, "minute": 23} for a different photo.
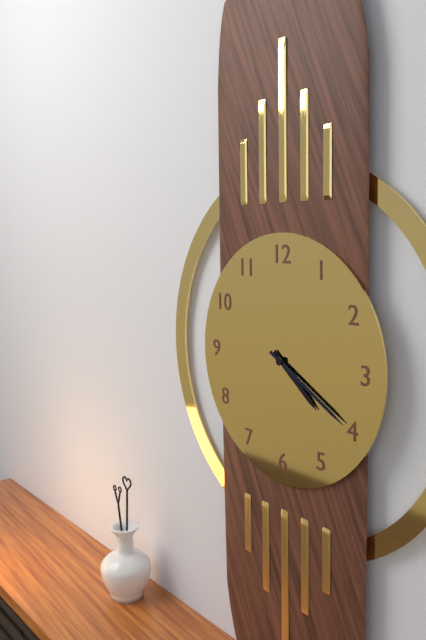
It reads {"hour": 4, "minute": 20}
